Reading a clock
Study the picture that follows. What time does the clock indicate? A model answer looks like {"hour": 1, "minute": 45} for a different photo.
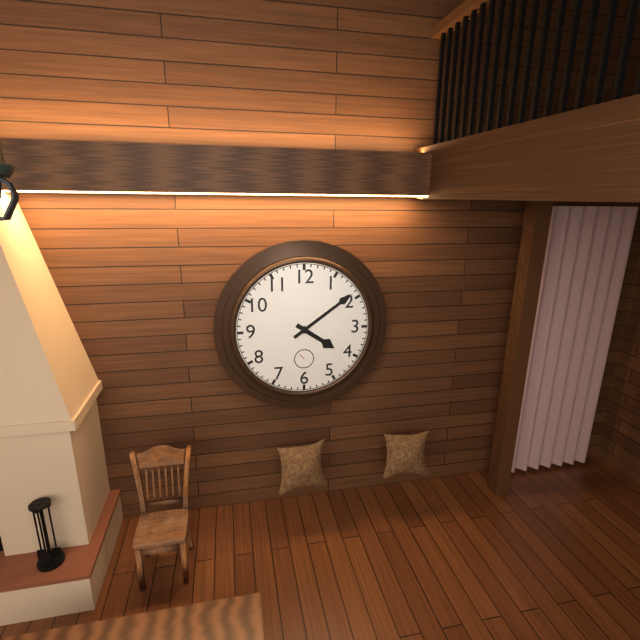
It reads {"hour": 4, "minute": 9}
